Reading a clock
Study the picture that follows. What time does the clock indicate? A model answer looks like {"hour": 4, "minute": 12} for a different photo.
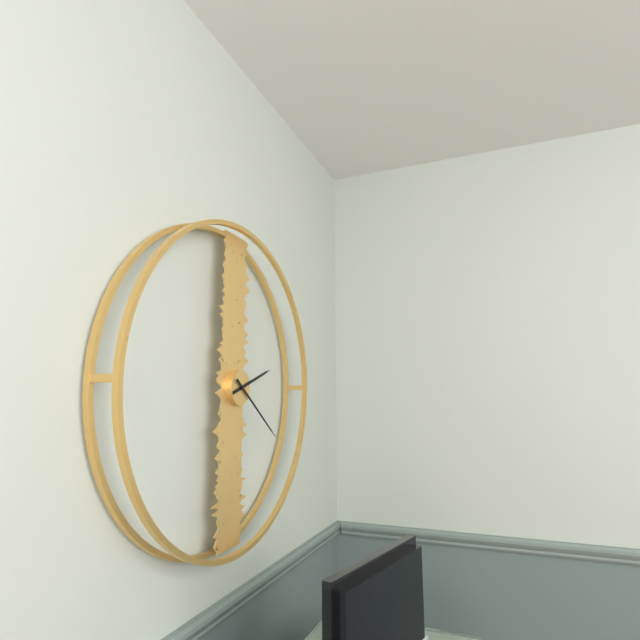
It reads {"hour": 2, "minute": 21}
